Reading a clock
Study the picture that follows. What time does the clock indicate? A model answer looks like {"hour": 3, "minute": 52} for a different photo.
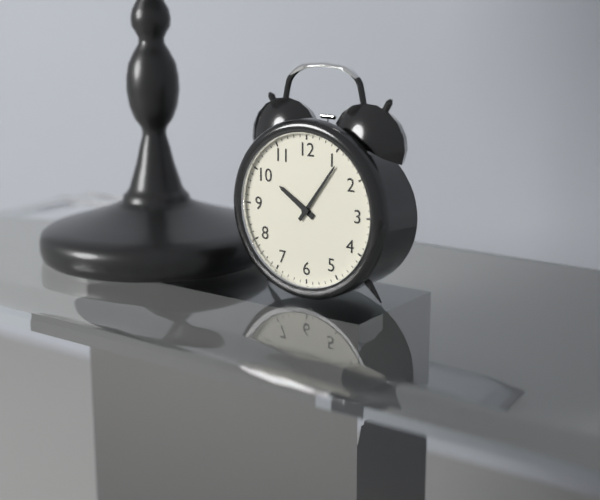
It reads {"hour": 10, "minute": 6}
